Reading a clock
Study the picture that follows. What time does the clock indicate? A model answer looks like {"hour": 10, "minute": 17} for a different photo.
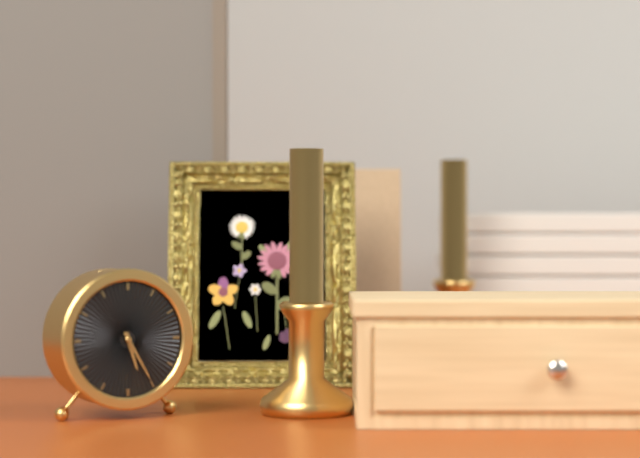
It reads {"hour": 5, "minute": 25}
